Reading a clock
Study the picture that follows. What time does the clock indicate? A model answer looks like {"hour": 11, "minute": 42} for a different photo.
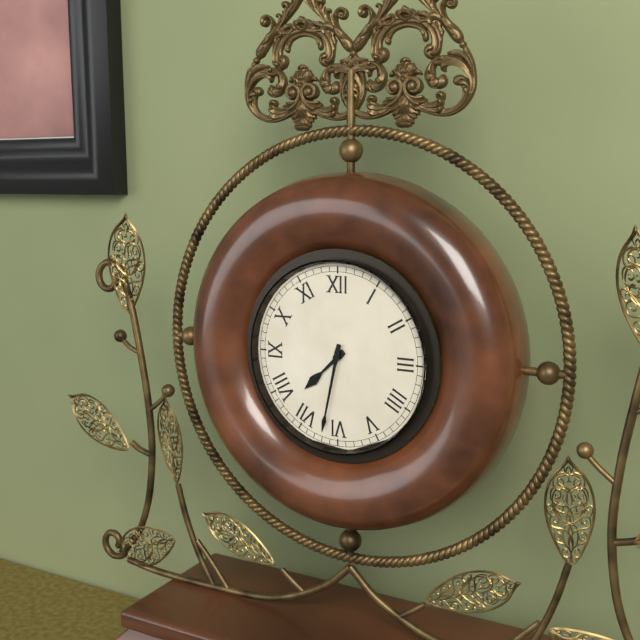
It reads {"hour": 7, "minute": 32}
